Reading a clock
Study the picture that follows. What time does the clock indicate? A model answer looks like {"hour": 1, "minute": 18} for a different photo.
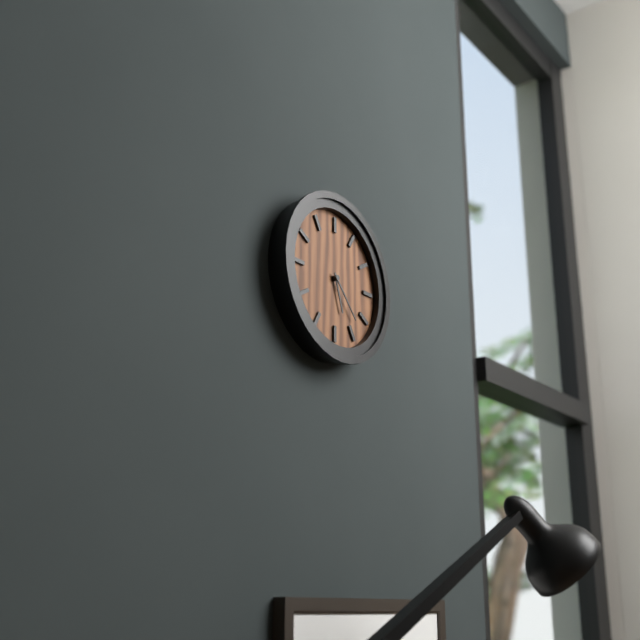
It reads {"hour": 5, "minute": 23}
